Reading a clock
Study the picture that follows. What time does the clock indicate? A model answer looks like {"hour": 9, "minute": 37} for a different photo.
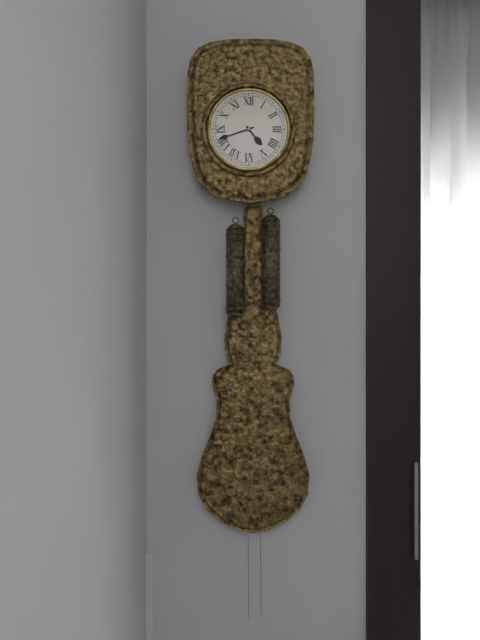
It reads {"hour": 4, "minute": 42}
